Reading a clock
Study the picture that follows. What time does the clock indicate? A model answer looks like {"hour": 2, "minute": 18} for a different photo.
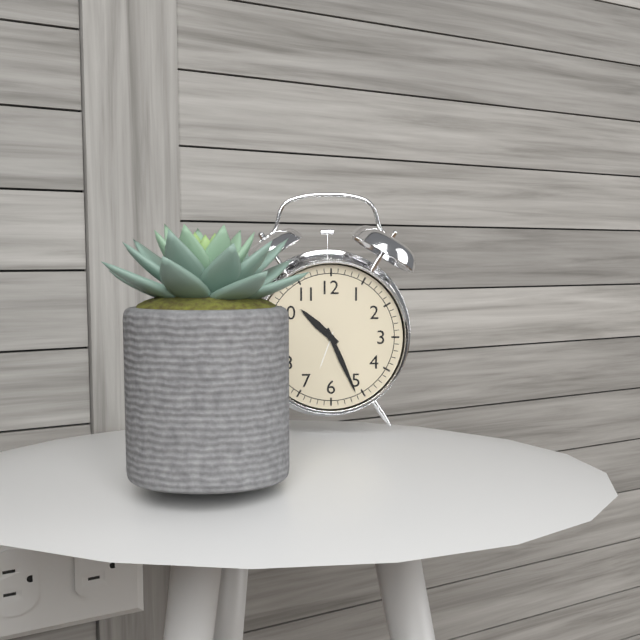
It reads {"hour": 10, "minute": 26}
